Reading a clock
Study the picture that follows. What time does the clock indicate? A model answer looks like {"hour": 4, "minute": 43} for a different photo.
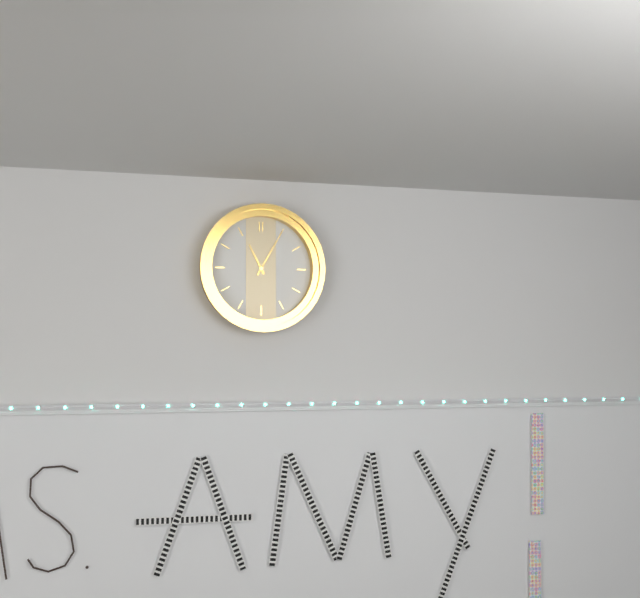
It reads {"hour": 11, "minute": 5}
